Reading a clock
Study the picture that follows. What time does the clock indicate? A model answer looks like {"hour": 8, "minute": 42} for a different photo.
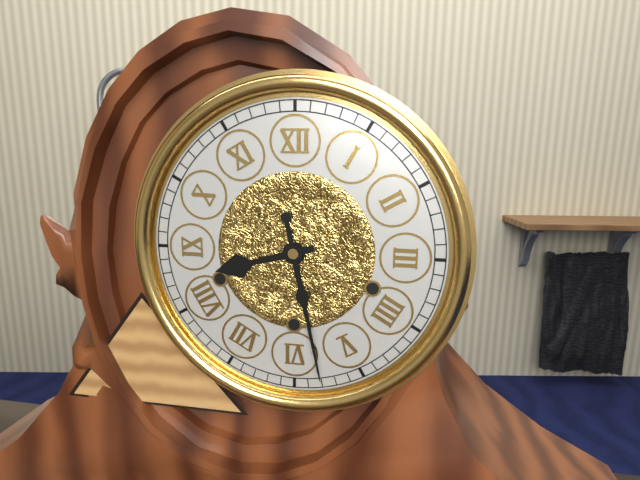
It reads {"hour": 8, "minute": 28}
